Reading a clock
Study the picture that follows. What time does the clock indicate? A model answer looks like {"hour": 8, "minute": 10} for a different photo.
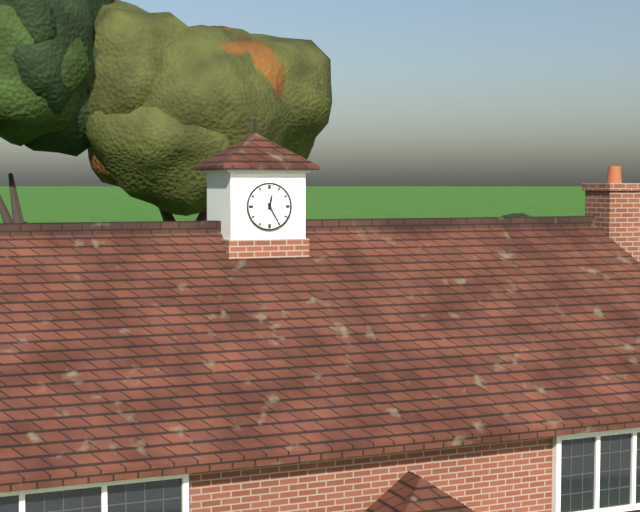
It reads {"hour": 12, "minute": 25}
